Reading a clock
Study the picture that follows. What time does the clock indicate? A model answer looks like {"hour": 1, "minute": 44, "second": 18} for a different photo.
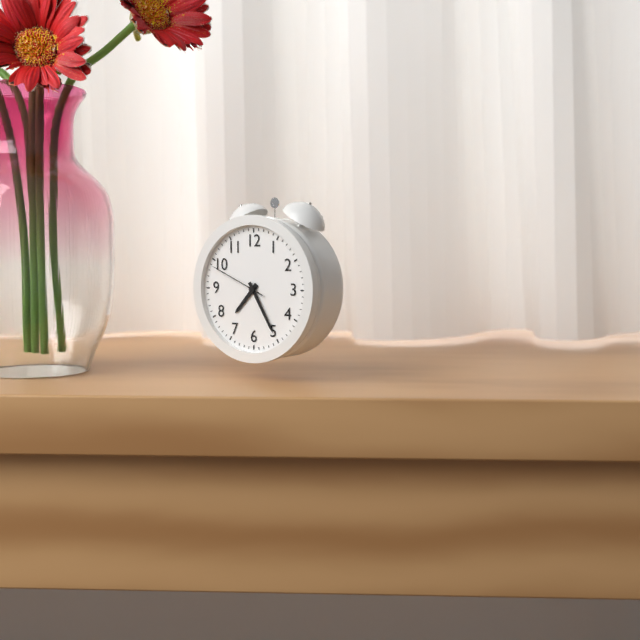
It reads {"hour": 7, "minute": 25, "second": 49}
